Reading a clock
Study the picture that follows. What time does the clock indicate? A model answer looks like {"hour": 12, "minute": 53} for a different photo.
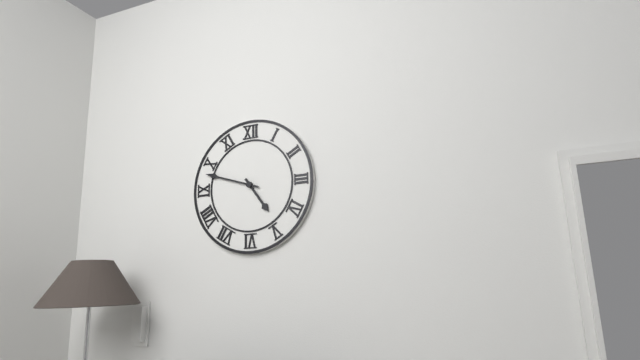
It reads {"hour": 4, "minute": 48}
